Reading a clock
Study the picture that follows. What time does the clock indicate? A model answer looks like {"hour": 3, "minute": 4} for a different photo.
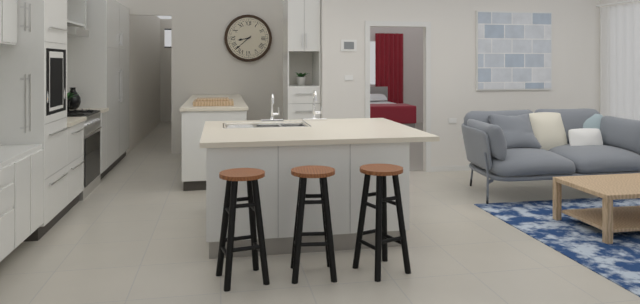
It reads {"hour": 8, "minute": 38}
